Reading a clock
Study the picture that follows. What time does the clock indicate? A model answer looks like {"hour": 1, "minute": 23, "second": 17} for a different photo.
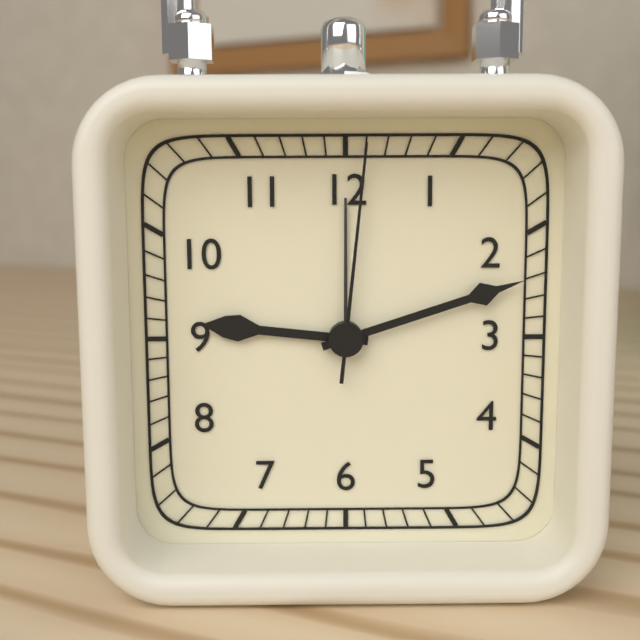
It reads {"hour": 9, "minute": 12, "second": 1}
